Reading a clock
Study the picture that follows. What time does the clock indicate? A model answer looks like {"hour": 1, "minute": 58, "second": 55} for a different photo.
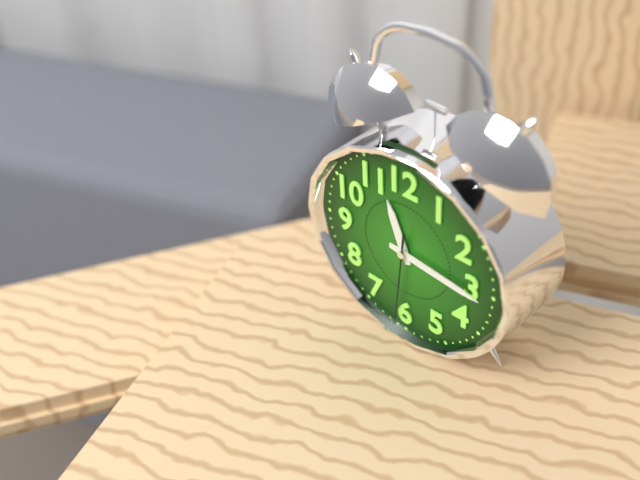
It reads {"hour": 11, "minute": 16, "second": 31}
